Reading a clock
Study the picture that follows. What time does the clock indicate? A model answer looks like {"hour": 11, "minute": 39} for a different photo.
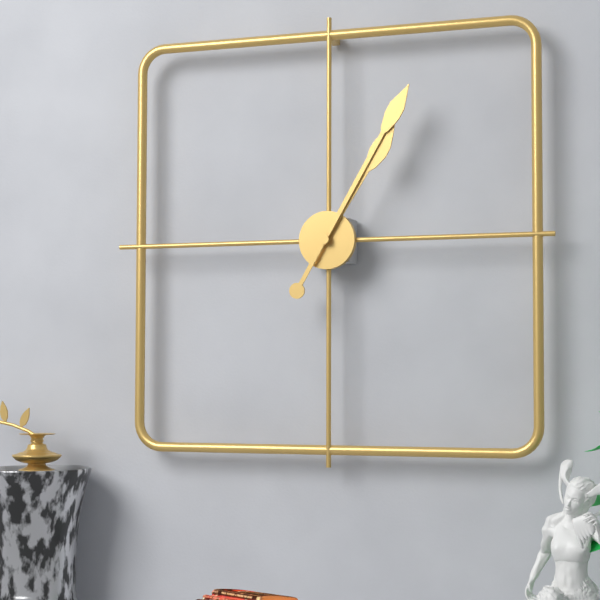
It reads {"hour": 1, "minute": 5}
